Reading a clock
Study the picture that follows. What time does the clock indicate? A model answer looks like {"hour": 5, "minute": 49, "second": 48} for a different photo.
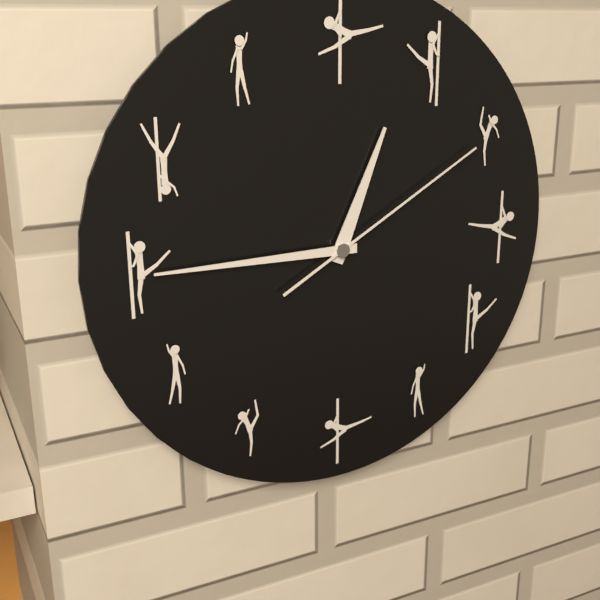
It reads {"hour": 12, "minute": 45, "second": 10}
